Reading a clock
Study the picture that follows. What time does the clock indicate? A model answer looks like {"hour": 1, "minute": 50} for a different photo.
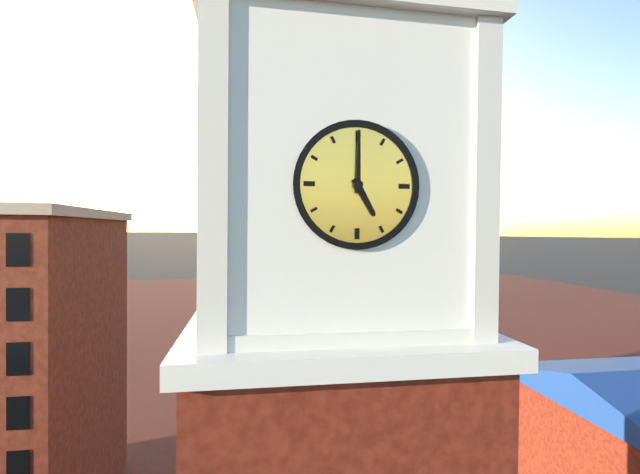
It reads {"hour": 5, "minute": 0}
